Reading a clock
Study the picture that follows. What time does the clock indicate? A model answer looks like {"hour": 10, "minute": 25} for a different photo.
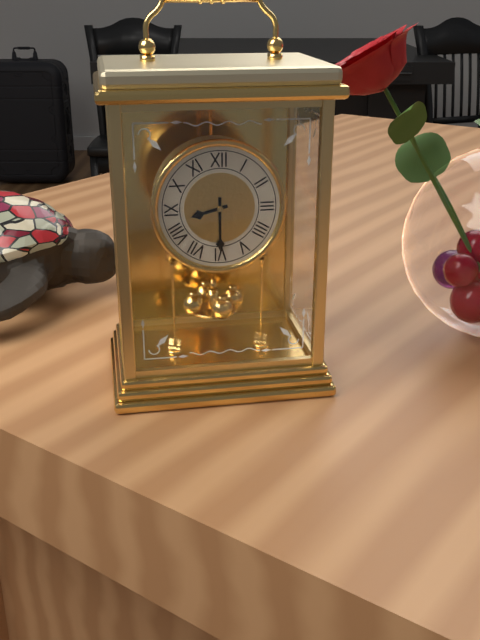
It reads {"hour": 8, "minute": 30}
